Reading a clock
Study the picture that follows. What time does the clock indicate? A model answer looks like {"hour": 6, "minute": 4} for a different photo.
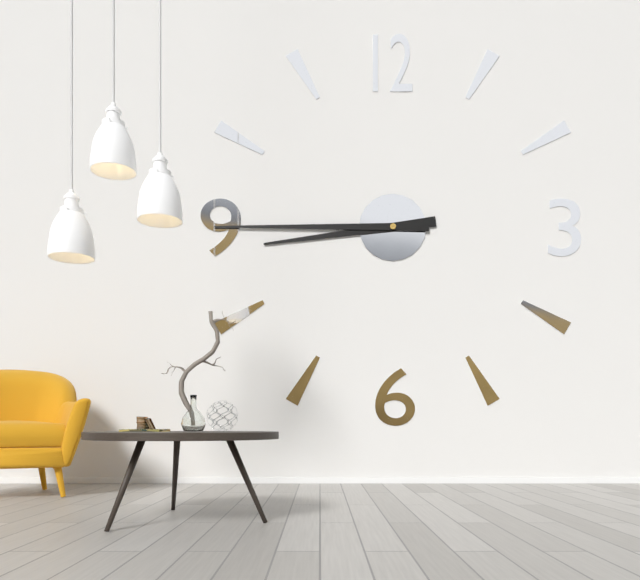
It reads {"hour": 8, "minute": 45}
